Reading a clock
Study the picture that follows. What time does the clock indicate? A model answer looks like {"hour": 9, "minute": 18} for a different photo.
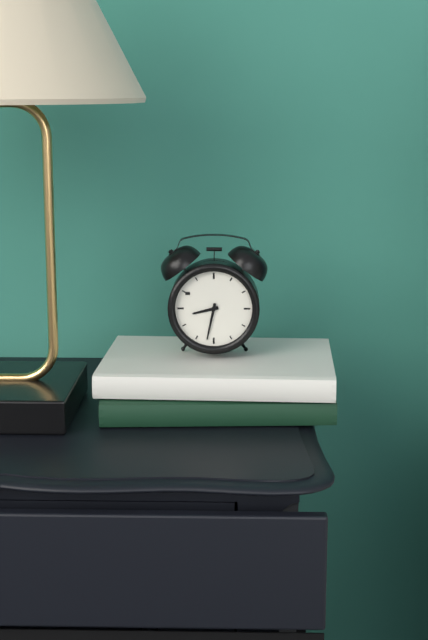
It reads {"hour": 8, "minute": 32}
